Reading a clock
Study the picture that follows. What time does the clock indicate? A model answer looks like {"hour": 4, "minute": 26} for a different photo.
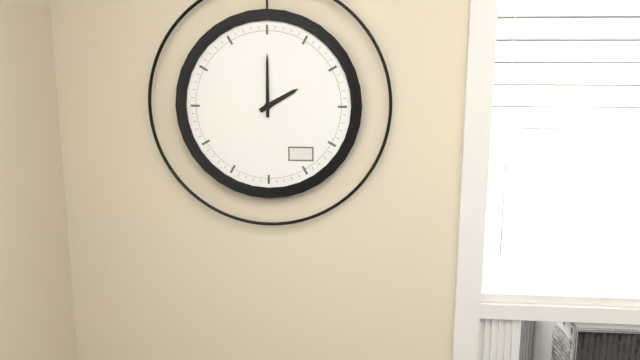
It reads {"hour": 2, "minute": 0}
